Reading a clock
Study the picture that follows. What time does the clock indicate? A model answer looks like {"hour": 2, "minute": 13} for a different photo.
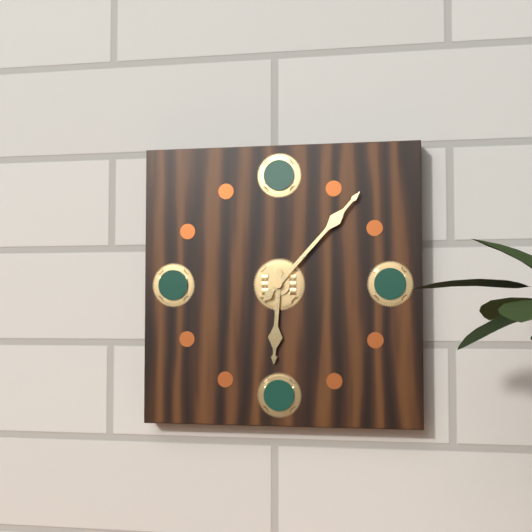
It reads {"hour": 6, "minute": 7}
